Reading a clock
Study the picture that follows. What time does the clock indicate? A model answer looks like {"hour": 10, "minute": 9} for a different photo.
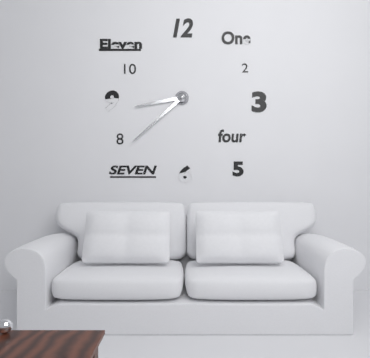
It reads {"hour": 8, "minute": 38}
